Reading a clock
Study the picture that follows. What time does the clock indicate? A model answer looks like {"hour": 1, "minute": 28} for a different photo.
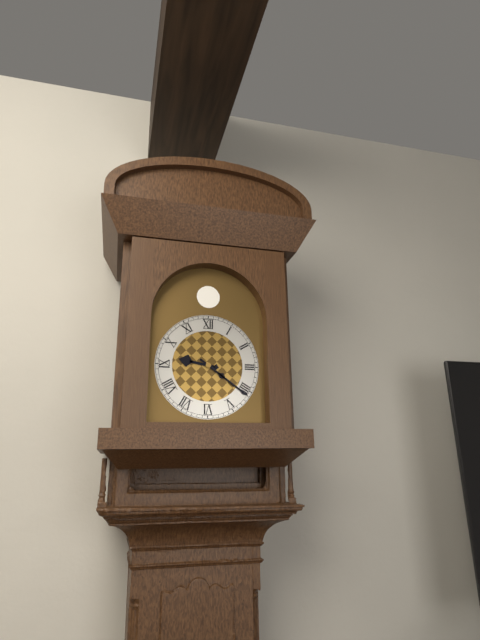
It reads {"hour": 9, "minute": 21}
